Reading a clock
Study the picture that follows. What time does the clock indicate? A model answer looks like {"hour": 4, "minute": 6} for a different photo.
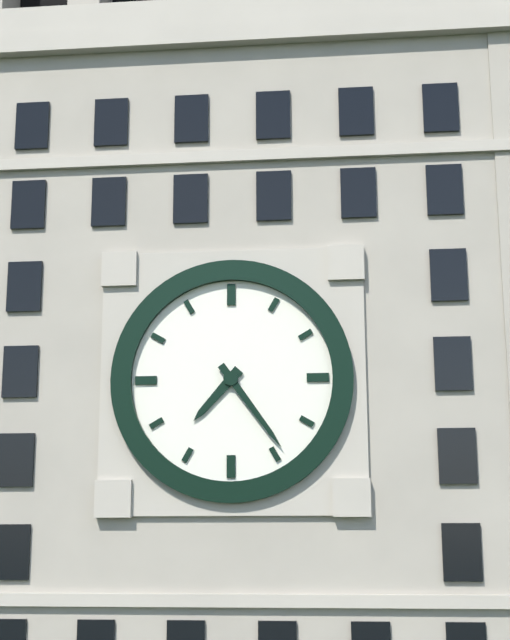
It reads {"hour": 7, "minute": 24}
